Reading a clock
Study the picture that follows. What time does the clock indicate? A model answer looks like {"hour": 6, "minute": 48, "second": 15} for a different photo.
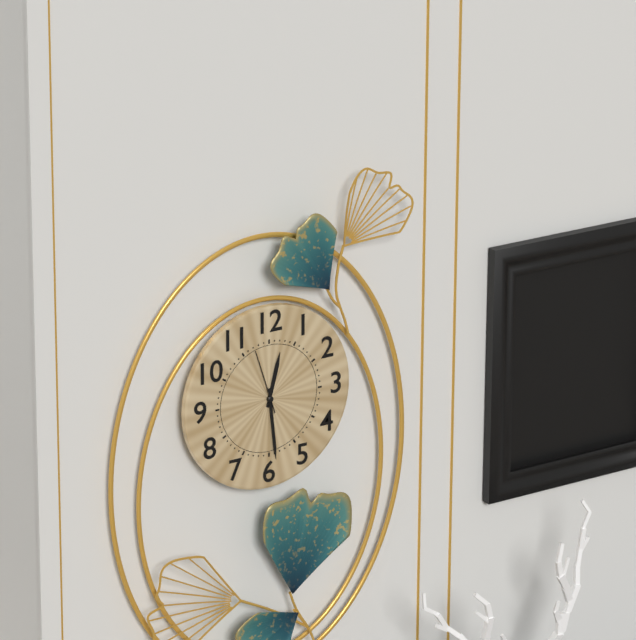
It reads {"hour": 12, "minute": 29, "second": 57}
